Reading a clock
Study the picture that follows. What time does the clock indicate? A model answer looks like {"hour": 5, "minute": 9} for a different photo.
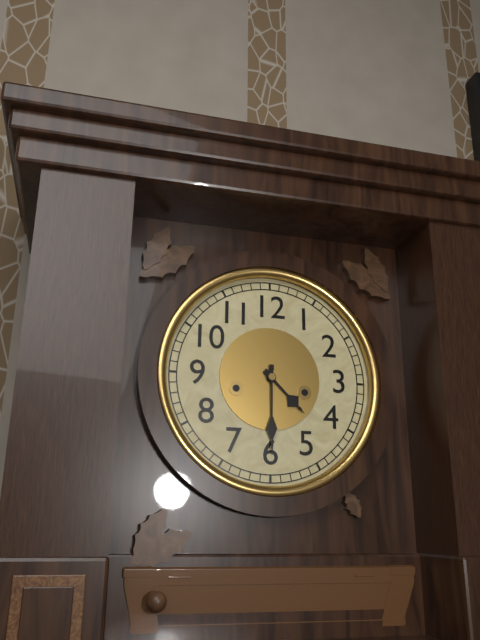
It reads {"hour": 4, "minute": 30}
